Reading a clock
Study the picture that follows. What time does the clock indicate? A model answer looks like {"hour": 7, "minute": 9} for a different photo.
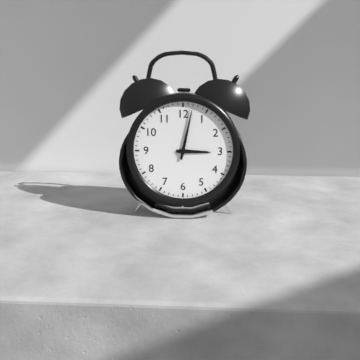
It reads {"hour": 3, "minute": 2}
